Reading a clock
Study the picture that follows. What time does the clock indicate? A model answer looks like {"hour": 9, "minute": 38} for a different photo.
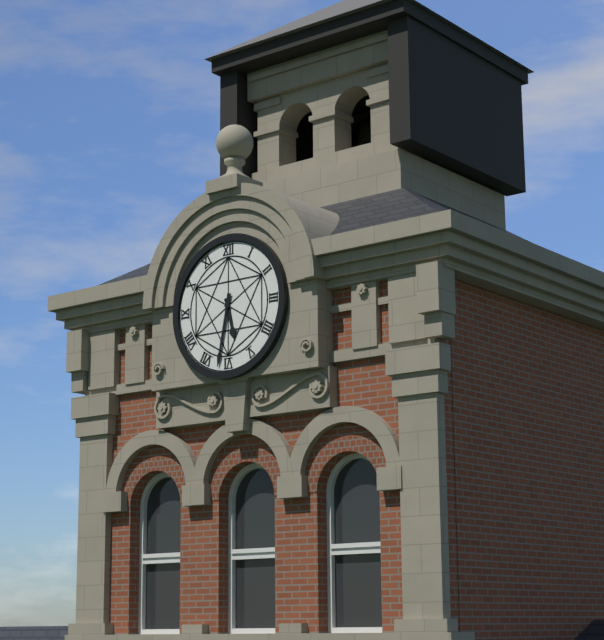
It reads {"hour": 5, "minute": 32}
